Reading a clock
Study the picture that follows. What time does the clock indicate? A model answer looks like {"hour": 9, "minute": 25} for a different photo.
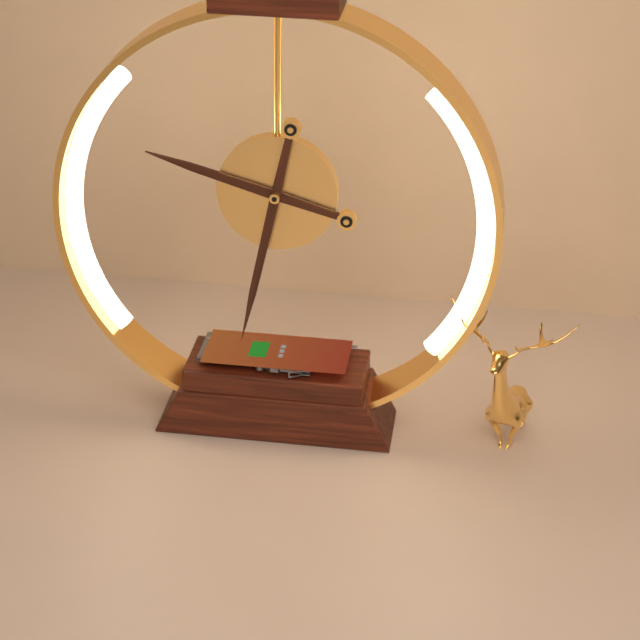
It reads {"hour": 9, "minute": 32}
